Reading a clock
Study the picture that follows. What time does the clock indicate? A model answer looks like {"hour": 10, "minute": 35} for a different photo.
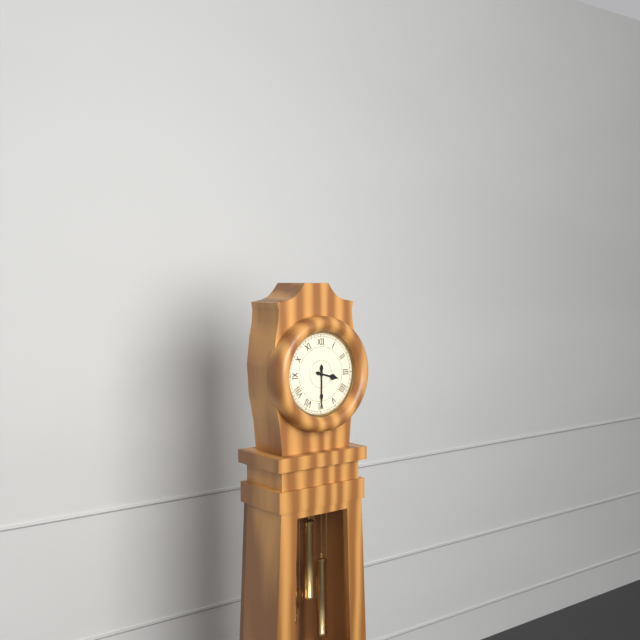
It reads {"hour": 3, "minute": 30}
